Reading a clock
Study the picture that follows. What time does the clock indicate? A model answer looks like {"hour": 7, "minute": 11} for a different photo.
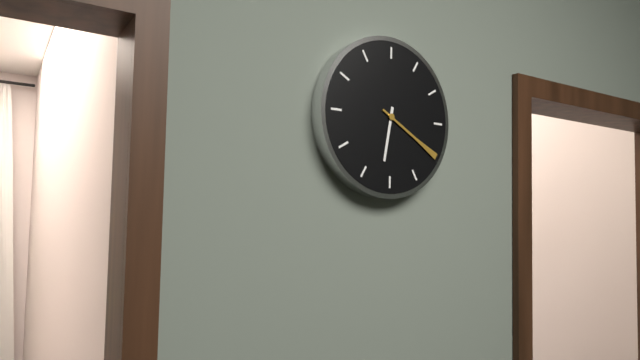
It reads {"hour": 6, "minute": 20}
